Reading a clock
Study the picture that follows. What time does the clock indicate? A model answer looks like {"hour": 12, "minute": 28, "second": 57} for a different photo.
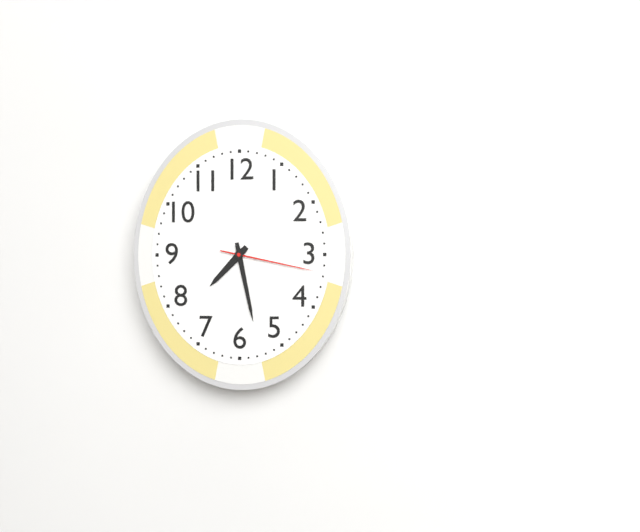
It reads {"hour": 7, "minute": 28, "second": 17}
